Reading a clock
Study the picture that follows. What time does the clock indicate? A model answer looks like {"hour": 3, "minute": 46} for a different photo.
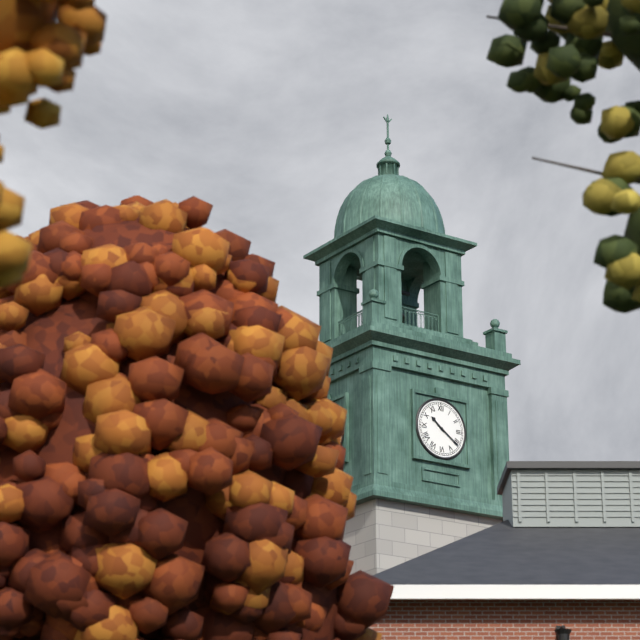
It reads {"hour": 10, "minute": 21}
